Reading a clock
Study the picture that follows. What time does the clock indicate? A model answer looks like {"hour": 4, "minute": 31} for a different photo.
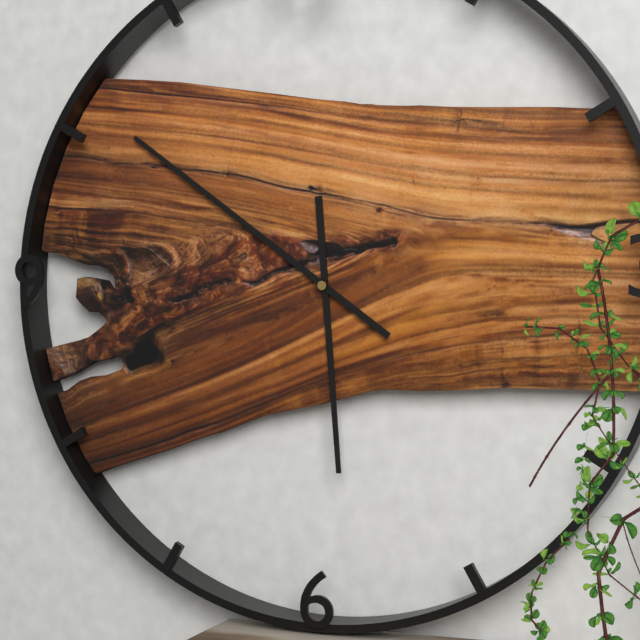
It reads {"hour": 5, "minute": 51}
